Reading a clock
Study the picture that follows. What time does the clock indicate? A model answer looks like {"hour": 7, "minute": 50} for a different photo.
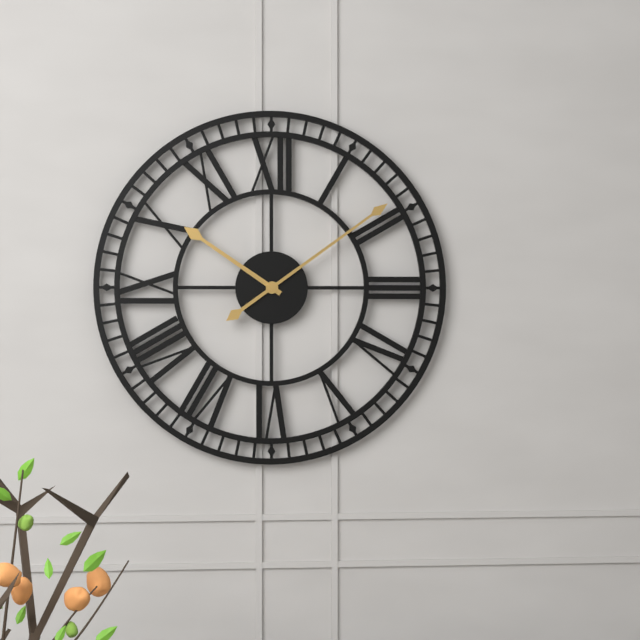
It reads {"hour": 10, "minute": 9}
